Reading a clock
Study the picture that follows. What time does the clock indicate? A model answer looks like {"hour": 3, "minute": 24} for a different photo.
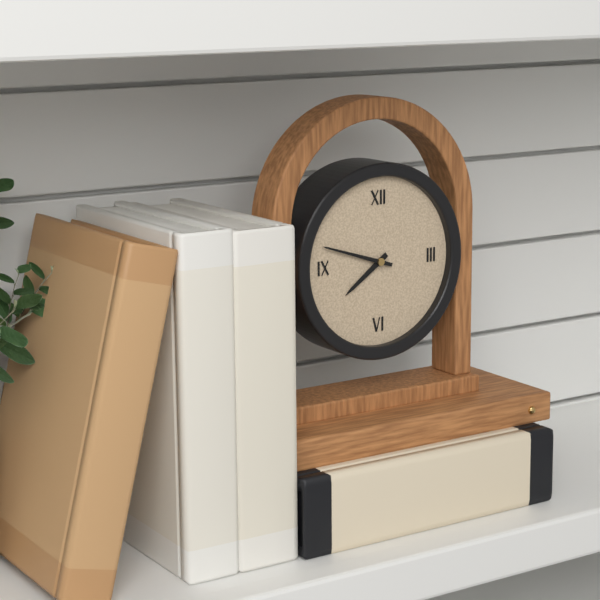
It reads {"hour": 7, "minute": 48}
